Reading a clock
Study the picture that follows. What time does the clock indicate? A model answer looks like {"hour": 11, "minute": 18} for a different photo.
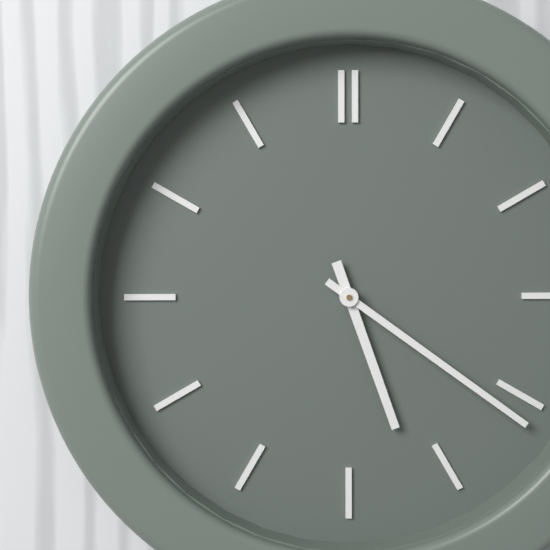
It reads {"hour": 5, "minute": 21}
